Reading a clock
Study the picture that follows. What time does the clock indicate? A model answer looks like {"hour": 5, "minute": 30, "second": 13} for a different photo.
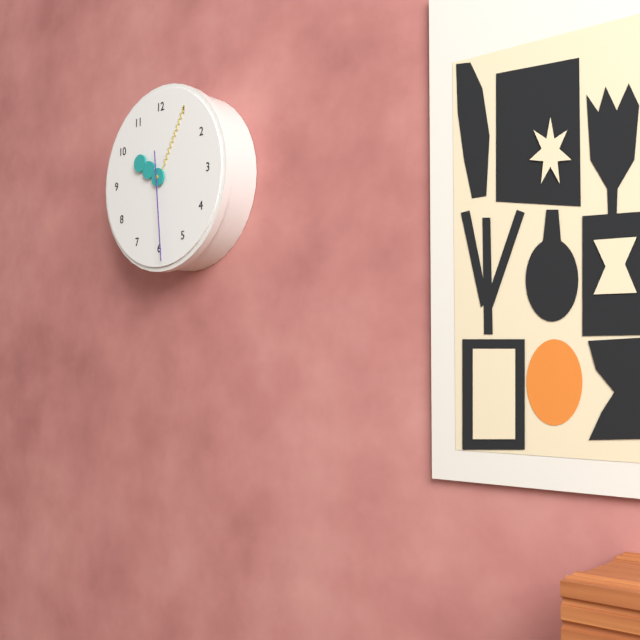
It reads {"hour": 10, "minute": 5, "second": 29}
